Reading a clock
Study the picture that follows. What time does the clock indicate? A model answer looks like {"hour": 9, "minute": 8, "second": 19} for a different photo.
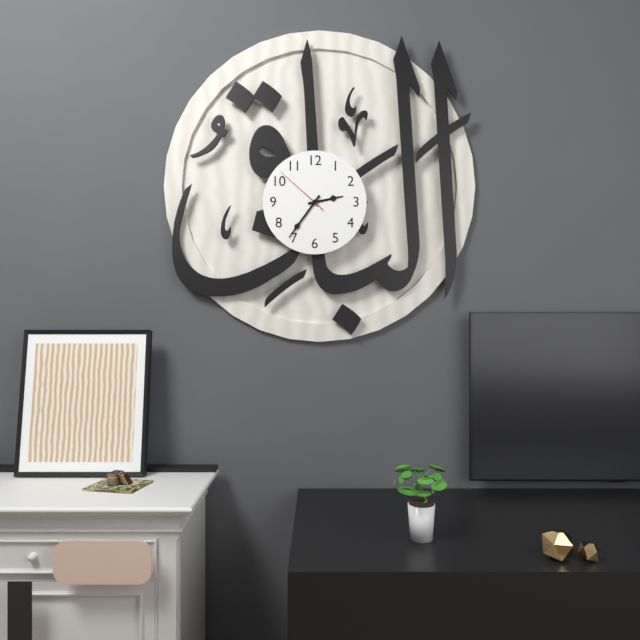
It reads {"hour": 2, "minute": 36, "second": 52}
